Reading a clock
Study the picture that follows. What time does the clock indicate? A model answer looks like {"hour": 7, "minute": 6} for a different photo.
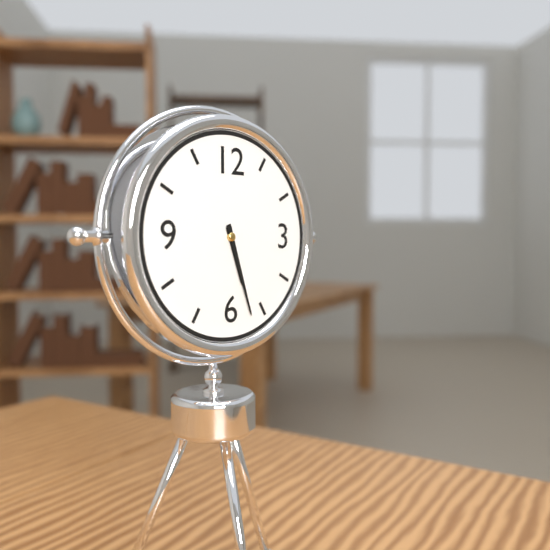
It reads {"hour": 5, "minute": 27}
